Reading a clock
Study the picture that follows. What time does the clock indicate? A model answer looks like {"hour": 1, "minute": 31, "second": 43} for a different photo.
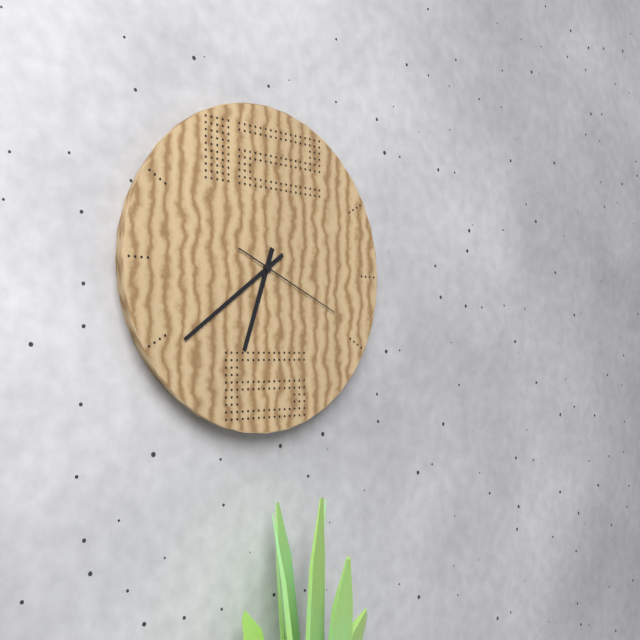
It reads {"hour": 6, "minute": 39, "second": 19}
